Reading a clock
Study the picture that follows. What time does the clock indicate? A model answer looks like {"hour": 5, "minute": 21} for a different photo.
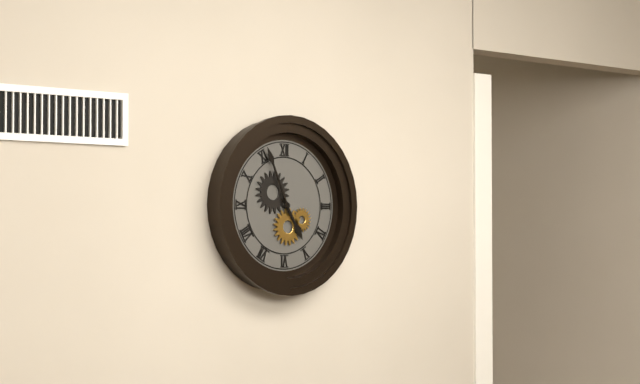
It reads {"hour": 4, "minute": 56}
